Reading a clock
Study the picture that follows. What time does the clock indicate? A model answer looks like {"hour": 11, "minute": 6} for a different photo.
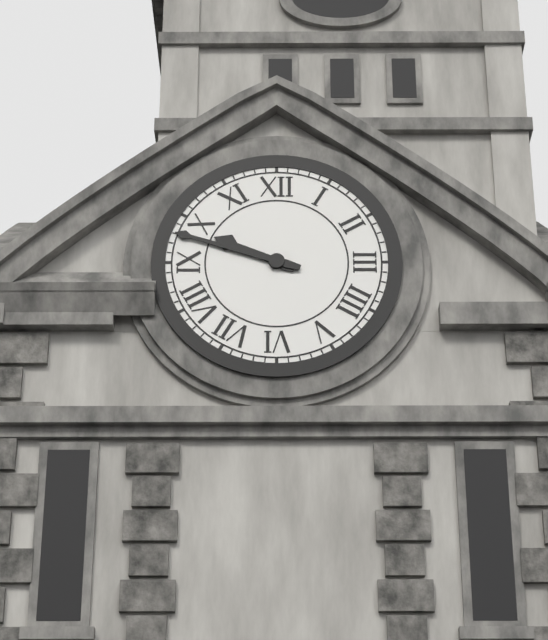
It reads {"hour": 9, "minute": 48}
